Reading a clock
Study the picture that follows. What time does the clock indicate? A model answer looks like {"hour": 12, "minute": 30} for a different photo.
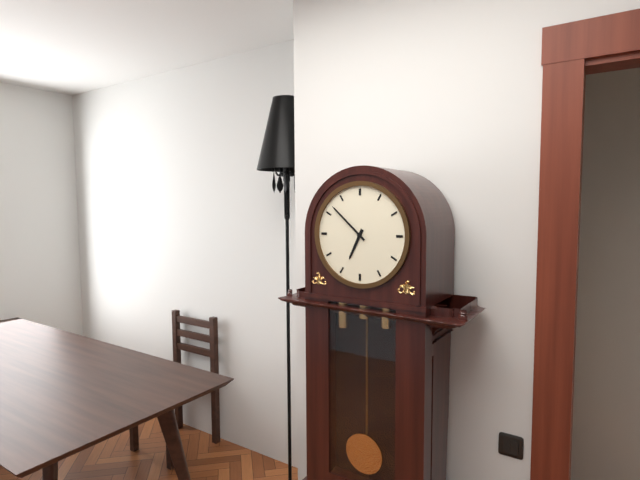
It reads {"hour": 6, "minute": 52}
